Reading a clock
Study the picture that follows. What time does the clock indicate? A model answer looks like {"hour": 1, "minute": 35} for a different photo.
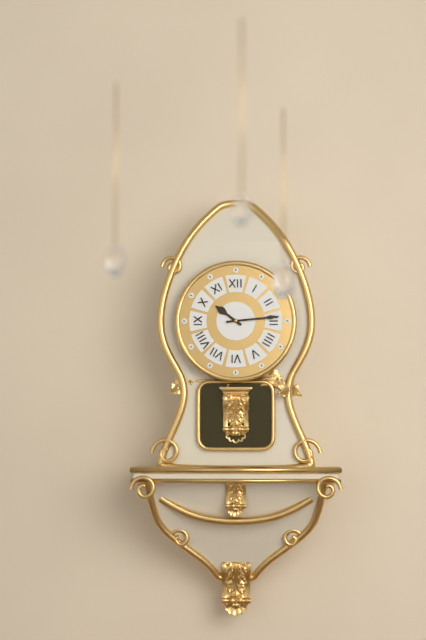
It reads {"hour": 10, "minute": 14}
